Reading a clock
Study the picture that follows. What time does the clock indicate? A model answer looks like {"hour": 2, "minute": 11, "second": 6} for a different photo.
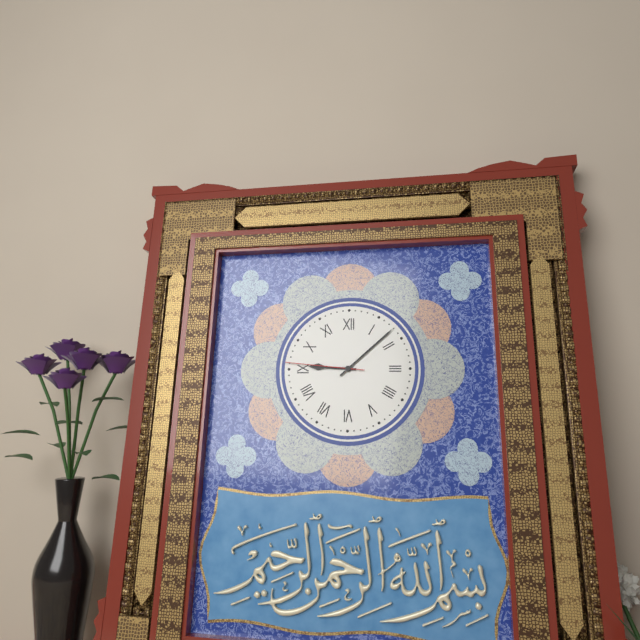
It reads {"hour": 9, "minute": 8, "second": 46}
